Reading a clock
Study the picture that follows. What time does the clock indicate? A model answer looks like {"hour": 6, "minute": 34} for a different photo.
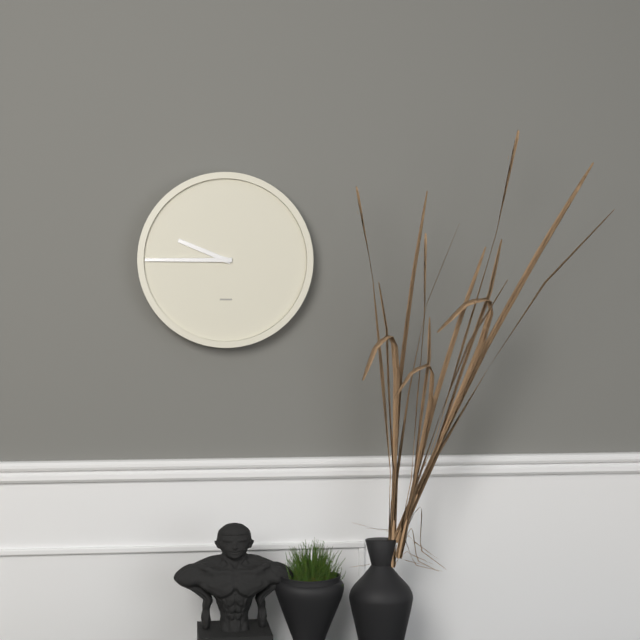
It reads {"hour": 9, "minute": 45}
